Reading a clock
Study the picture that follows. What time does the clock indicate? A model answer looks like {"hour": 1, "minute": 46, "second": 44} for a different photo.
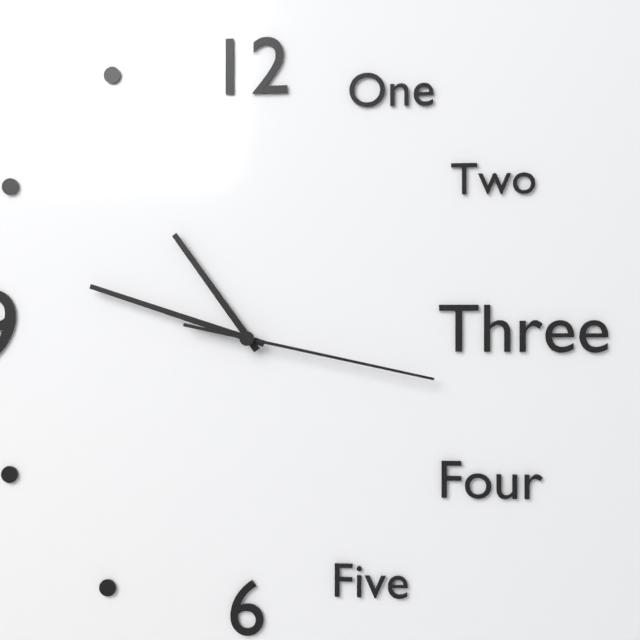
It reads {"hour": 10, "minute": 48, "second": 17}
